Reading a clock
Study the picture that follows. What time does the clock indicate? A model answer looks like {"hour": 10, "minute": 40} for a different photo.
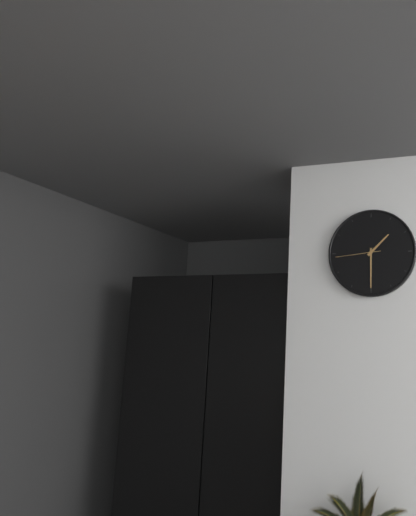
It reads {"hour": 1, "minute": 30}
